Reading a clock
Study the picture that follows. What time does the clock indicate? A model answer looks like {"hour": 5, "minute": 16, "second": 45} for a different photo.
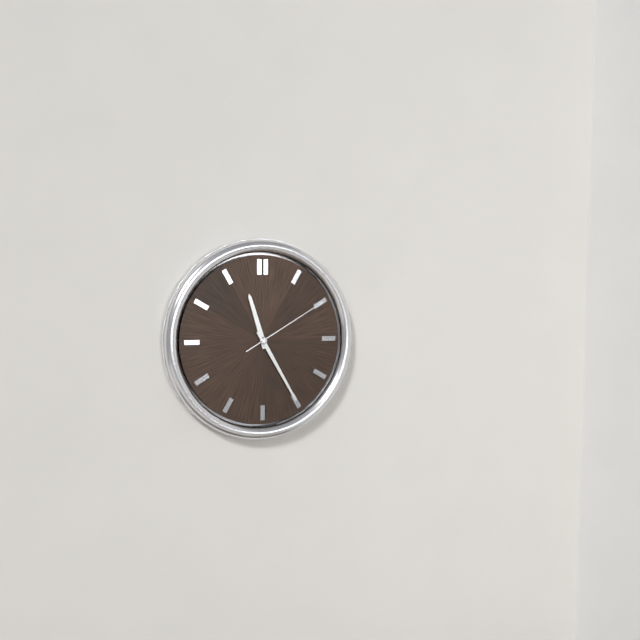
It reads {"hour": 11, "minute": 25, "second": 10}
